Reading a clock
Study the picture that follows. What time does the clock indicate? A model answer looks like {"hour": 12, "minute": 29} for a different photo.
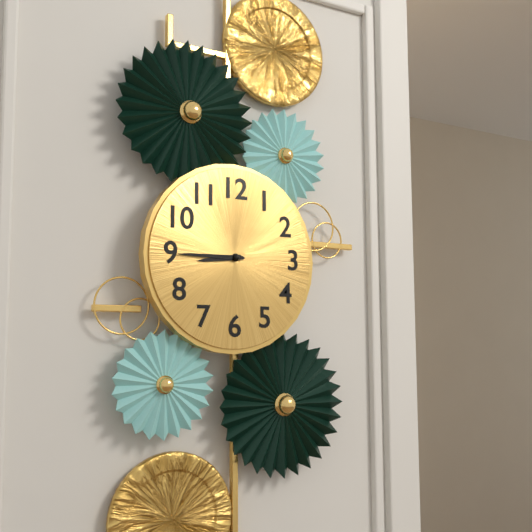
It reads {"hour": 8, "minute": 45}
